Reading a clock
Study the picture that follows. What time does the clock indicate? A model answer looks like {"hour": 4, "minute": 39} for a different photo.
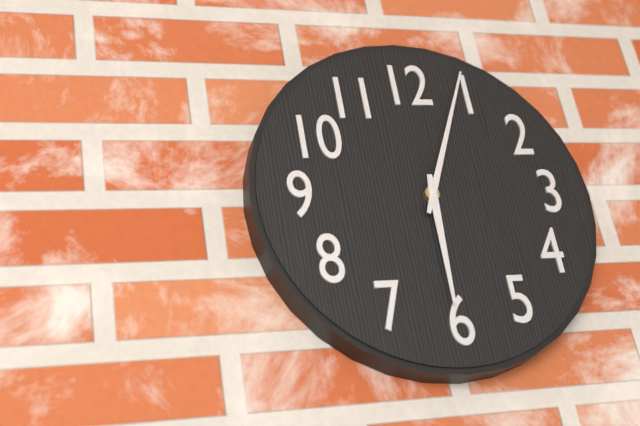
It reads {"hour": 6, "minute": 4}
